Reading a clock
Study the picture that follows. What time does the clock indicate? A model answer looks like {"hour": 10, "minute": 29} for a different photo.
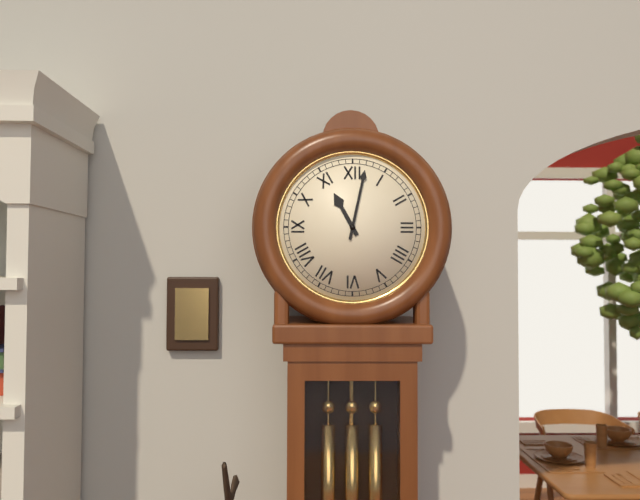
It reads {"hour": 11, "minute": 2}
